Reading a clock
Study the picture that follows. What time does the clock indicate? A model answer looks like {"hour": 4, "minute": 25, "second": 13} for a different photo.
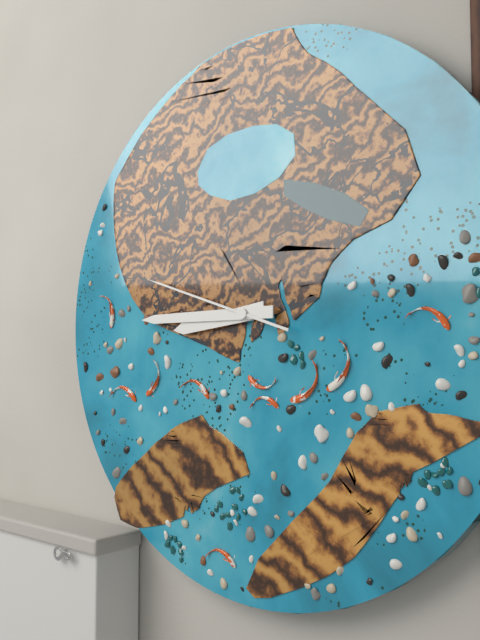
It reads {"hour": 8, "minute": 45, "second": 48}
